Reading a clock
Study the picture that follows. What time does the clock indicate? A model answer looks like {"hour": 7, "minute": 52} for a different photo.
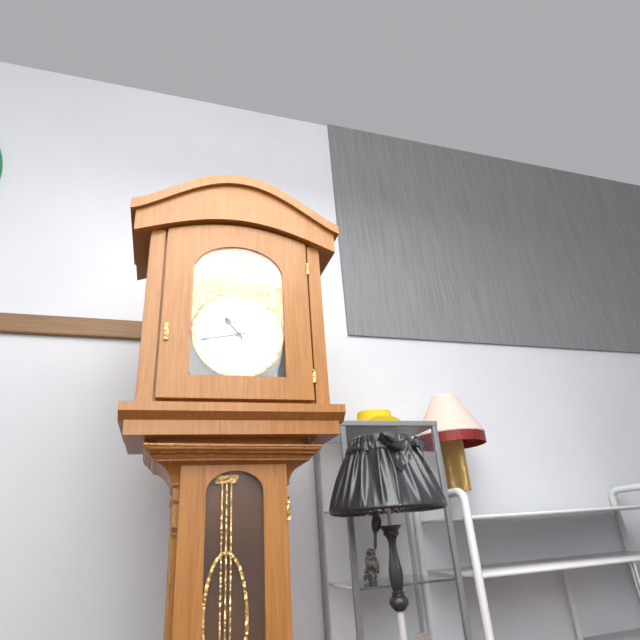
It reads {"hour": 10, "minute": 43}
